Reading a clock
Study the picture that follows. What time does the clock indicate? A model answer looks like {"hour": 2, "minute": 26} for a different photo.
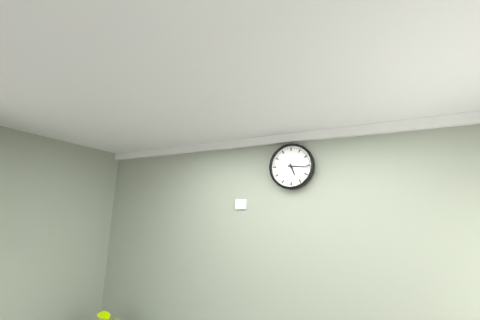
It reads {"hour": 5, "minute": 16}
